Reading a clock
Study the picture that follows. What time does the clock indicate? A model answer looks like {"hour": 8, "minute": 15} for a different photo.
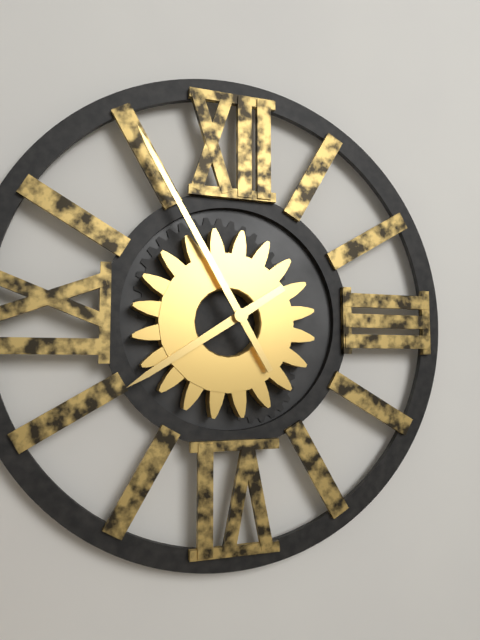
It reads {"hour": 7, "minute": 55}
